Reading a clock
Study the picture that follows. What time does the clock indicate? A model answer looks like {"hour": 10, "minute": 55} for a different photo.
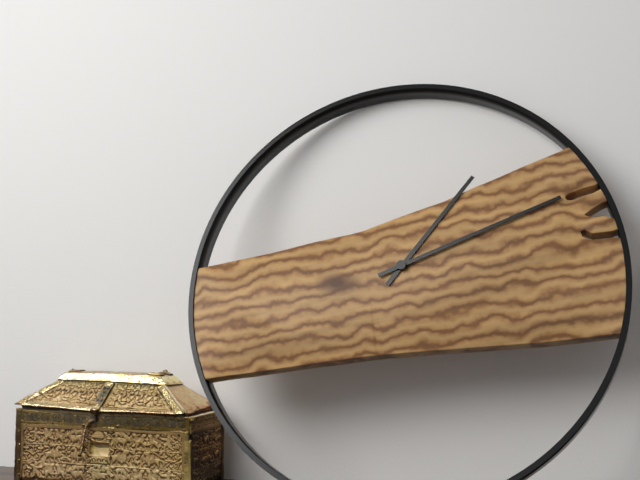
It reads {"hour": 1, "minute": 11}
